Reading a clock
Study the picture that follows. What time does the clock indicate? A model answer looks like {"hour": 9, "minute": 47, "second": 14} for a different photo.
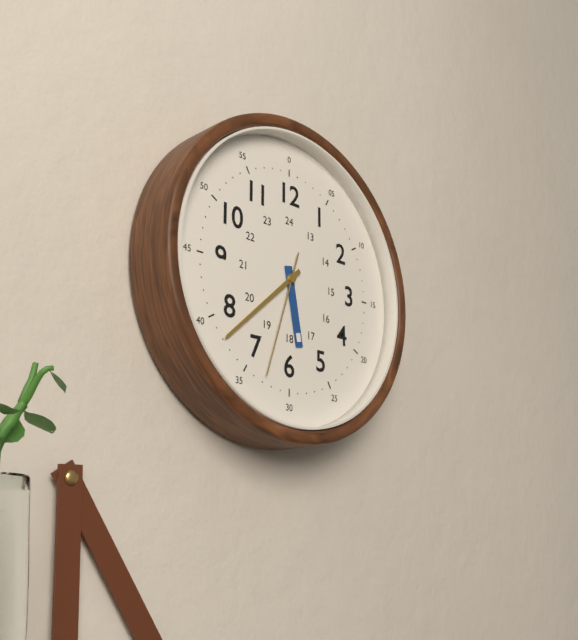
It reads {"hour": 5, "minute": 38, "second": 33}
